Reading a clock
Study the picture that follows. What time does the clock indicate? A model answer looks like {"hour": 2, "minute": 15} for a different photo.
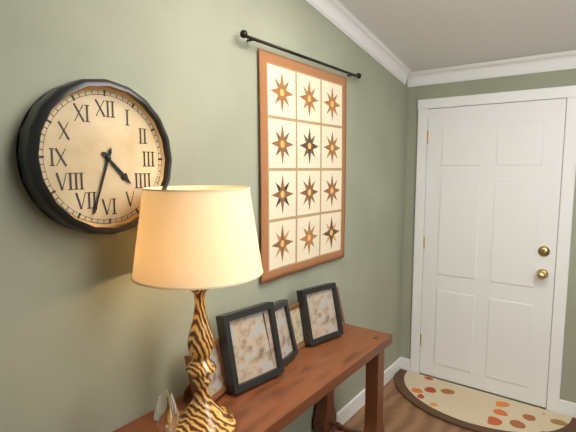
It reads {"hour": 4, "minute": 33}
